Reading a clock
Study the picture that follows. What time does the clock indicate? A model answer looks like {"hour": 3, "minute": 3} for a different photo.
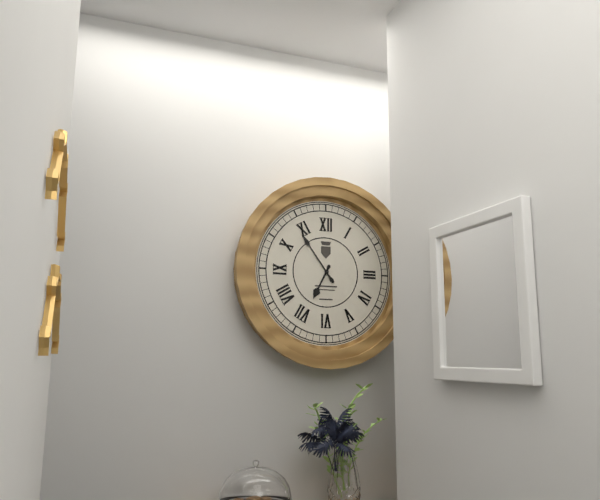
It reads {"hour": 6, "minute": 54}
